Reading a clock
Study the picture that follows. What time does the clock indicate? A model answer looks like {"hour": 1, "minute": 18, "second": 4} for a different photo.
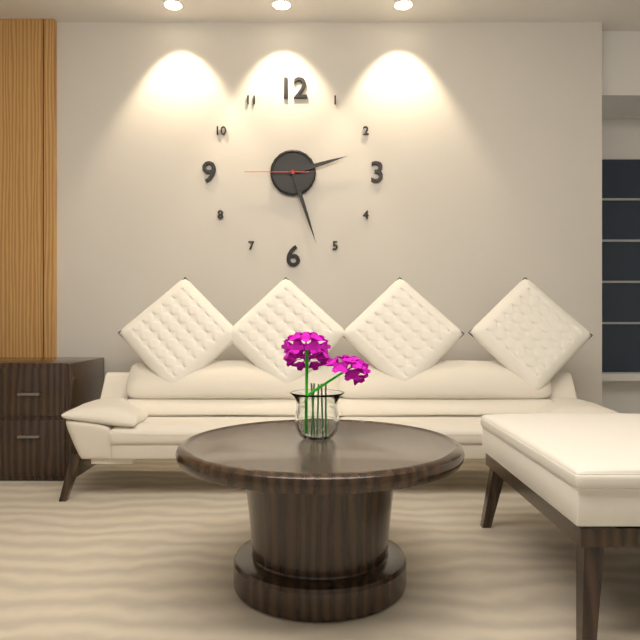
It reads {"hour": 2, "minute": 27, "second": 45}
